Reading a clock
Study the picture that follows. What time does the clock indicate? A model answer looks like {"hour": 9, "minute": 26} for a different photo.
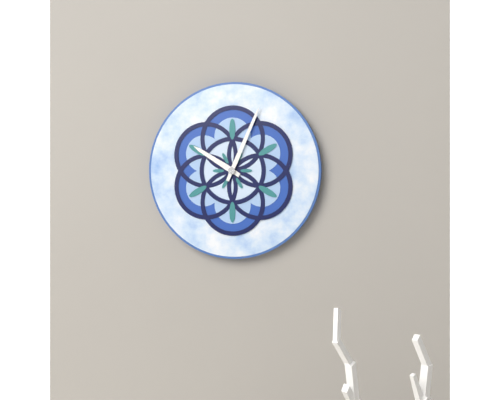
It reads {"hour": 10, "minute": 4}
